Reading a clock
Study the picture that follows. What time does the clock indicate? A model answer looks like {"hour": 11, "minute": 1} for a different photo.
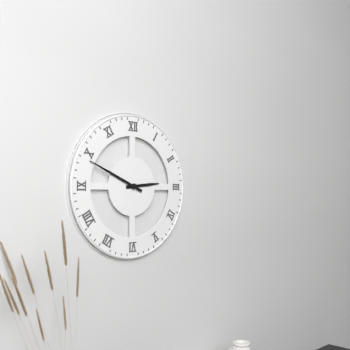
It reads {"hour": 2, "minute": 49}
